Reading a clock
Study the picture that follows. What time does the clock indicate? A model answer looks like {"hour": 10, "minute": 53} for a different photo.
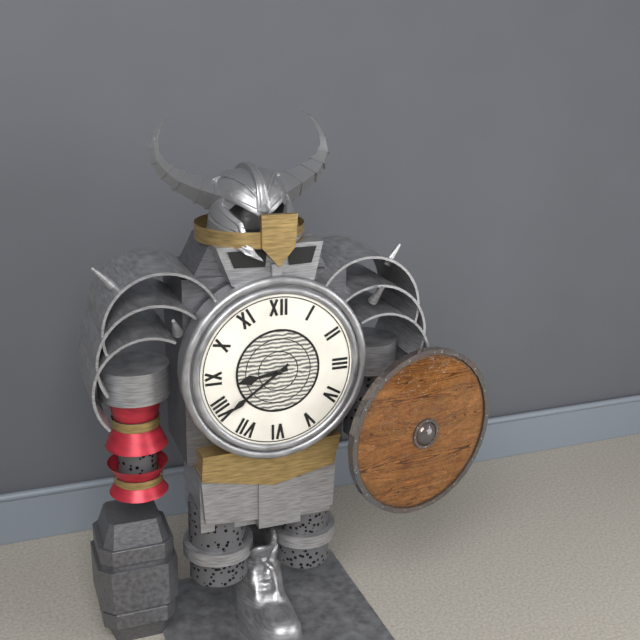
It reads {"hour": 8, "minute": 39}
